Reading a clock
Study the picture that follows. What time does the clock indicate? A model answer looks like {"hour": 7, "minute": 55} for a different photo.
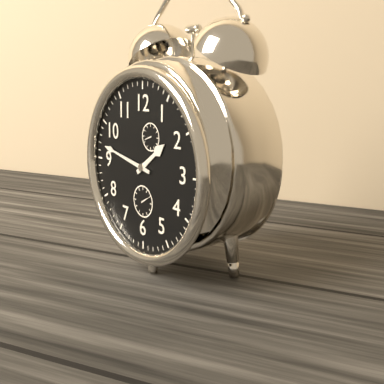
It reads {"hour": 1, "minute": 47}
